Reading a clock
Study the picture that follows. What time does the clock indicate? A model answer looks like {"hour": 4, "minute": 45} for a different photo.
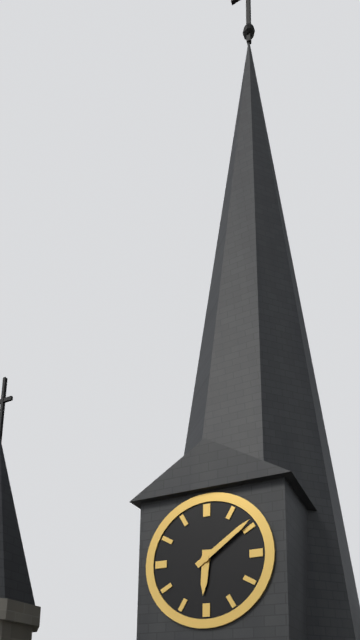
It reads {"hour": 6, "minute": 9}
